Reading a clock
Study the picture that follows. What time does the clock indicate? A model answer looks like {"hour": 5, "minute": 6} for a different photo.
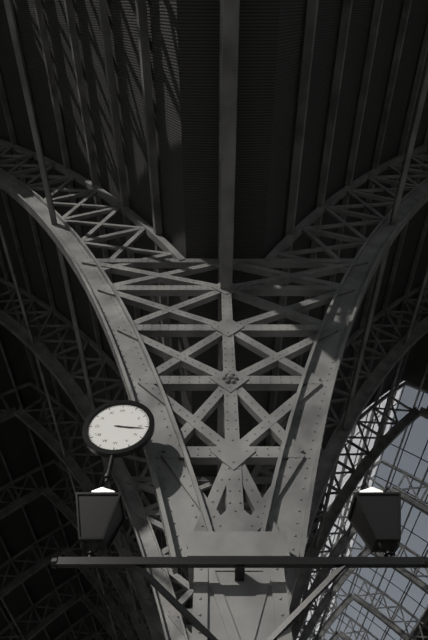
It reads {"hour": 3, "minute": 16}
